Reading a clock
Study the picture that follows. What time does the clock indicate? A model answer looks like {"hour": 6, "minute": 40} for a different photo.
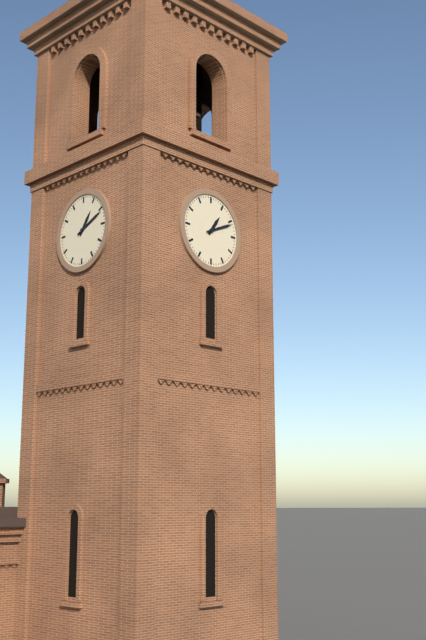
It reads {"hour": 1, "minute": 11}
